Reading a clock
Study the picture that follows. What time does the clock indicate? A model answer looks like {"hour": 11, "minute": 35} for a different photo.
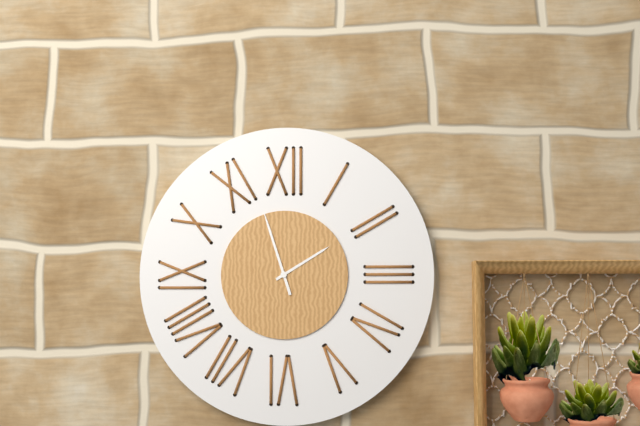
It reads {"hour": 1, "minute": 57}
